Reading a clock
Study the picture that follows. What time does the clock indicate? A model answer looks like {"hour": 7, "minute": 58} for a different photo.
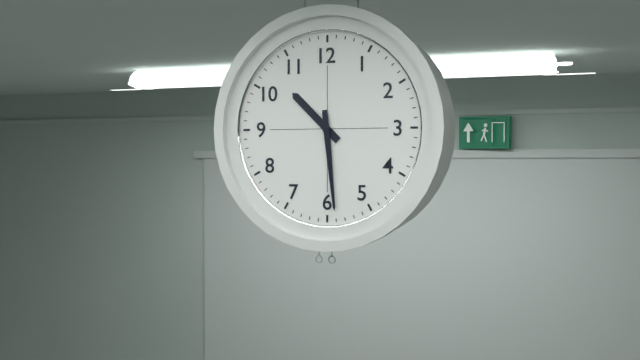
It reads {"hour": 10, "minute": 29}
